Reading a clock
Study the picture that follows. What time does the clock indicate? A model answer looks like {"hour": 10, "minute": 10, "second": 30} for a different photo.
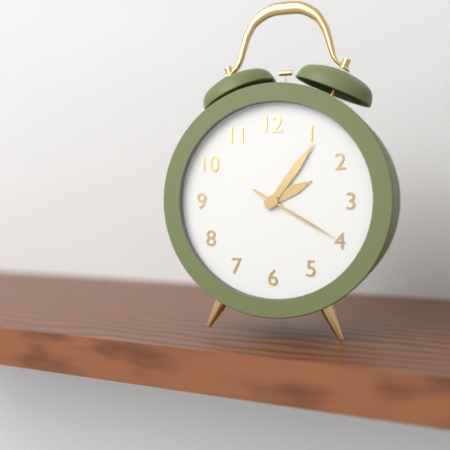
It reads {"hour": 2, "minute": 6, "second": 20}
